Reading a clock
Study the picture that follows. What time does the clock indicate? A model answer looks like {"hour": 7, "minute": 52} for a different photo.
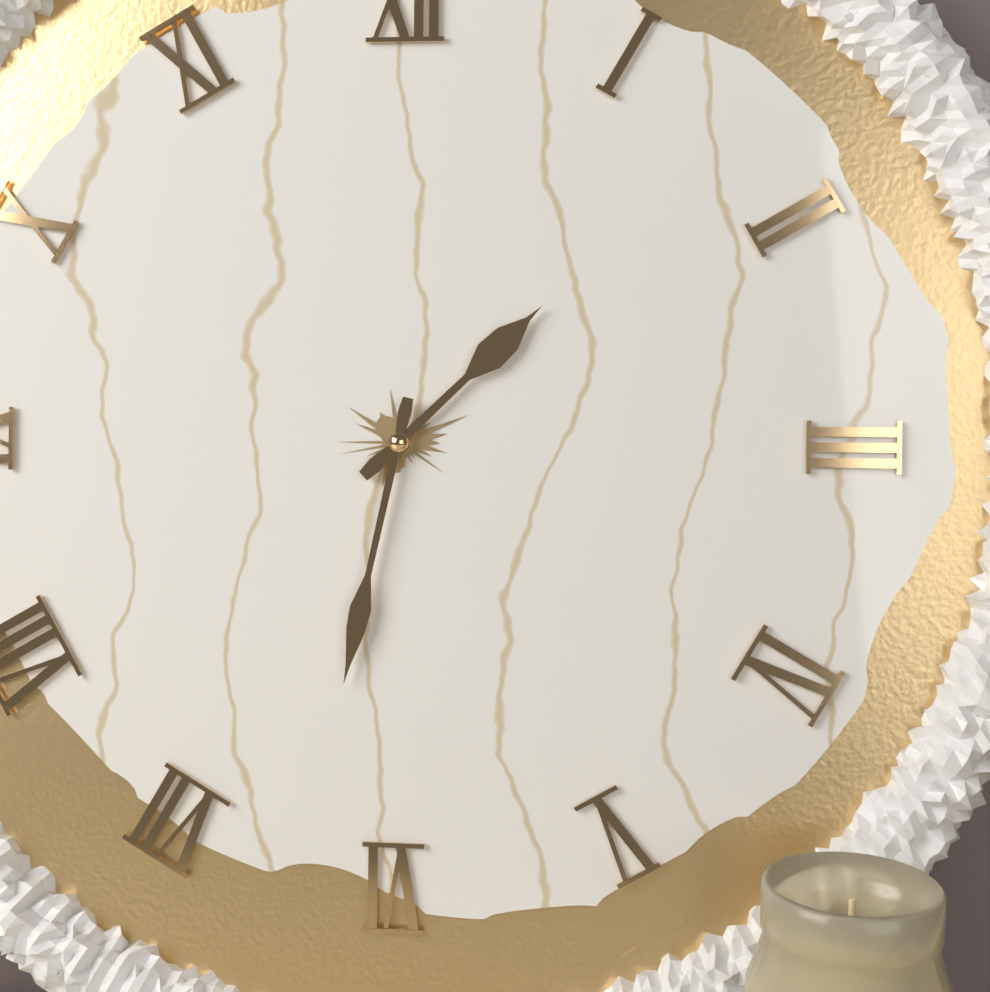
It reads {"hour": 1, "minute": 32}
